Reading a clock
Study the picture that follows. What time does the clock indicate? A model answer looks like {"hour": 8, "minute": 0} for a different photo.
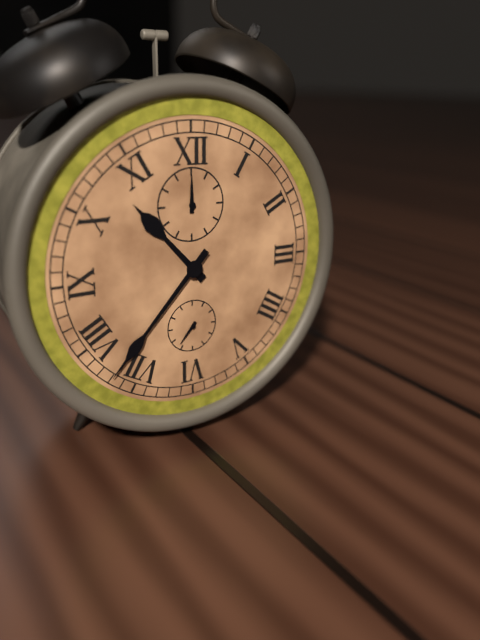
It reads {"hour": 10, "minute": 37}
